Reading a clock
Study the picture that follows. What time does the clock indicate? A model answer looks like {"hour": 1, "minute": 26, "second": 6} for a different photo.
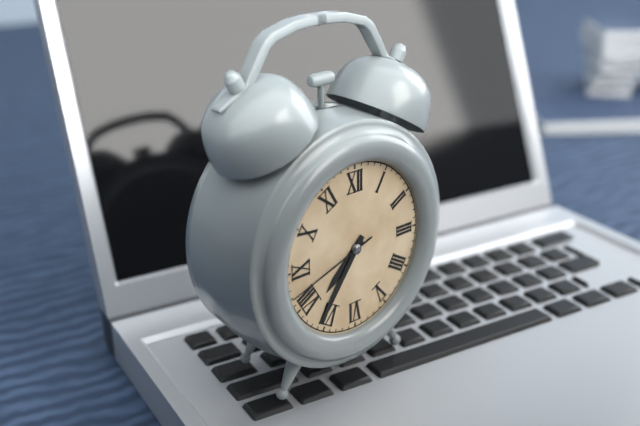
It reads {"hour": 7, "minute": 36, "second": 42}
